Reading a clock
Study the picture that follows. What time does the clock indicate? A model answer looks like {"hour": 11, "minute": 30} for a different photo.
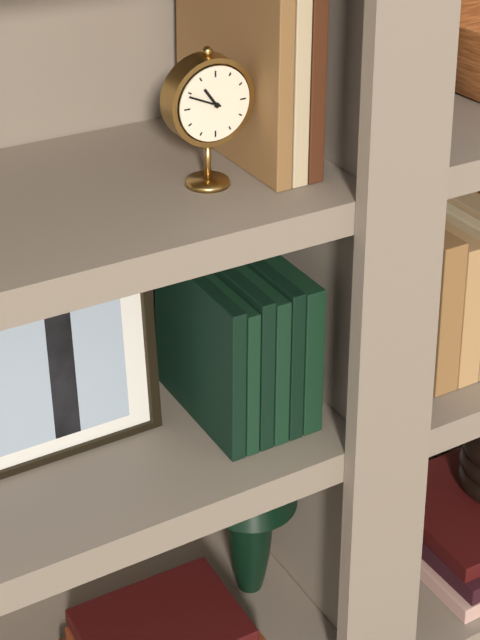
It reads {"hour": 10, "minute": 49}
